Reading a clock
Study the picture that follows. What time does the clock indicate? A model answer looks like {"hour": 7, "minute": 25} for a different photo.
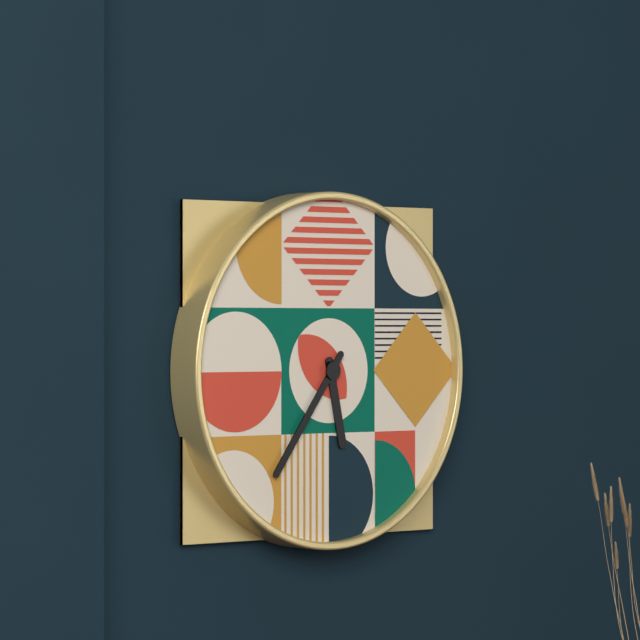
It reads {"hour": 5, "minute": 36}
